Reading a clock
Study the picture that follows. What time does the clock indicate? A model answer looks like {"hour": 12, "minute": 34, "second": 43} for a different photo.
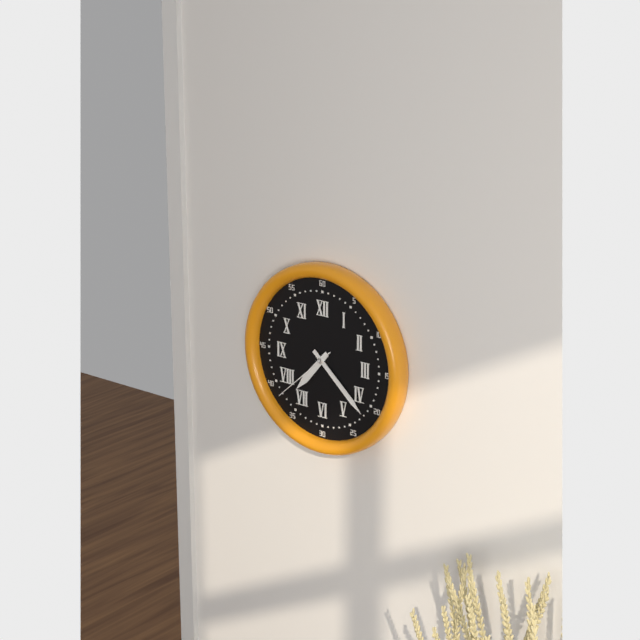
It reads {"hour": 7, "minute": 22, "second": 38}
